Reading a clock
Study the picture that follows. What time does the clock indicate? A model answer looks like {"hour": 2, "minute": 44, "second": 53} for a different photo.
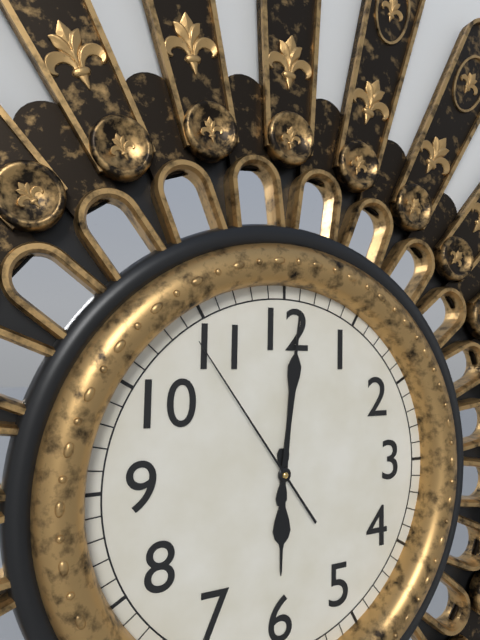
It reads {"hour": 6, "minute": 1, "second": 54}
